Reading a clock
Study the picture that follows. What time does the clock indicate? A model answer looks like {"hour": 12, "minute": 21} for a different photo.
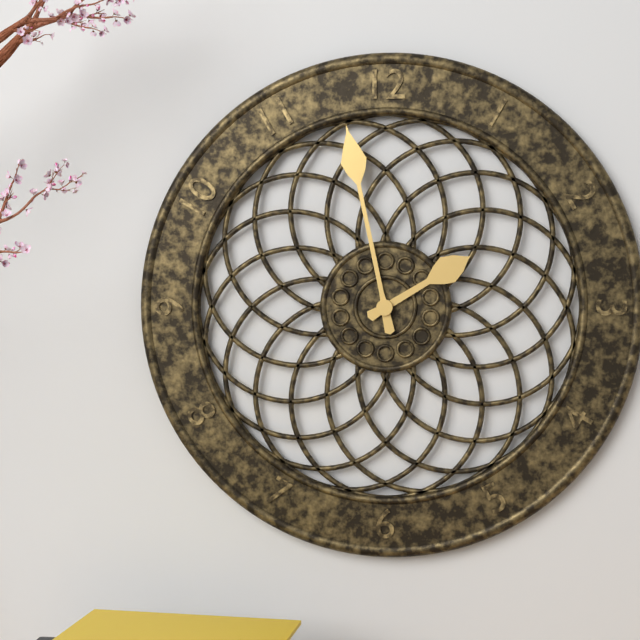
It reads {"hour": 1, "minute": 58}
